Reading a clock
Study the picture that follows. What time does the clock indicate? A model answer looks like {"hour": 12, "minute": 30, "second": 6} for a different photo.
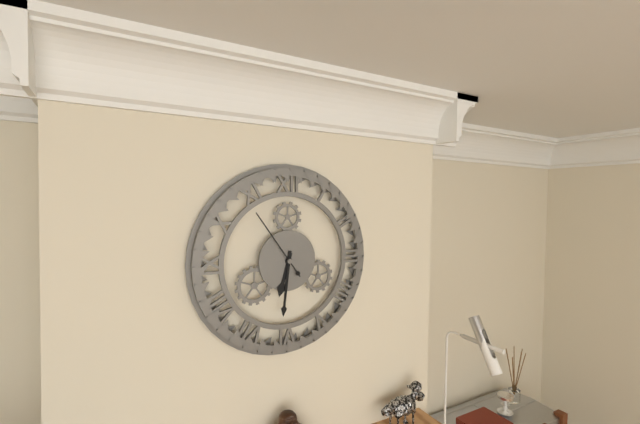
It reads {"hour": 6, "minute": 31, "second": 54}
